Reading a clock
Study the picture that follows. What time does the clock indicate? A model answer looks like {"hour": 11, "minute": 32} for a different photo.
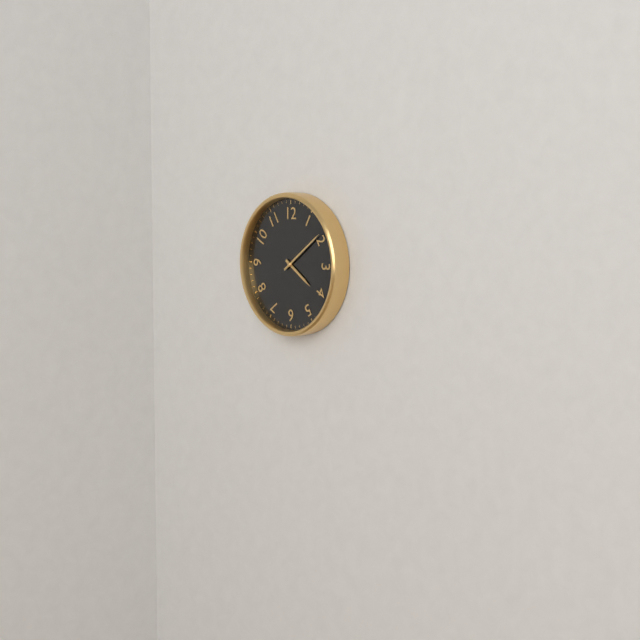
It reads {"hour": 4, "minute": 9}
